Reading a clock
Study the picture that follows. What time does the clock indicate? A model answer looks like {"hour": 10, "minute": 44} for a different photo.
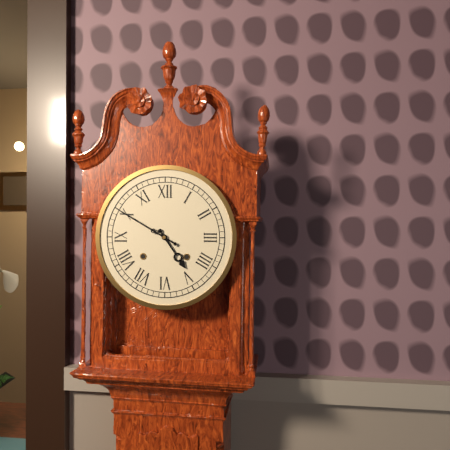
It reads {"hour": 4, "minute": 50}
